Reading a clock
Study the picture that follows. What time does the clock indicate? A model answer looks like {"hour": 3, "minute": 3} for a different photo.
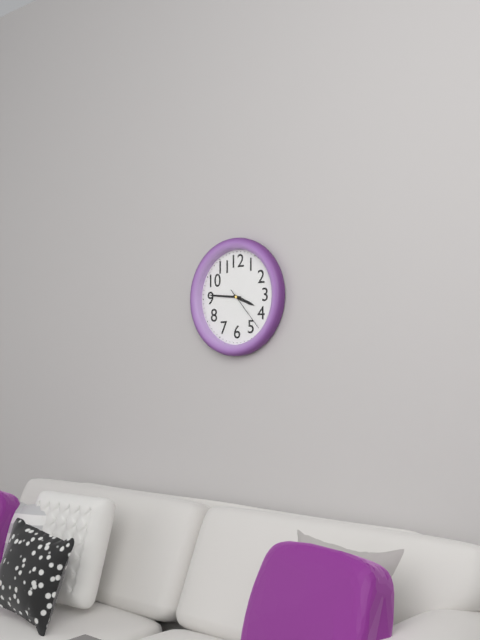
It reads {"hour": 3, "minute": 46}
